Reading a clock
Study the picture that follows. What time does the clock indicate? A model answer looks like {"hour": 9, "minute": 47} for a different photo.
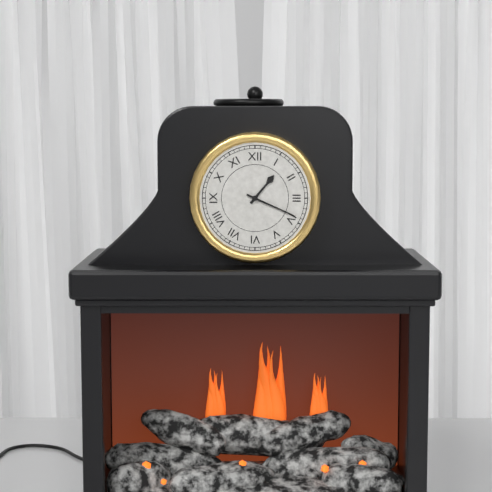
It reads {"hour": 1, "minute": 19}
